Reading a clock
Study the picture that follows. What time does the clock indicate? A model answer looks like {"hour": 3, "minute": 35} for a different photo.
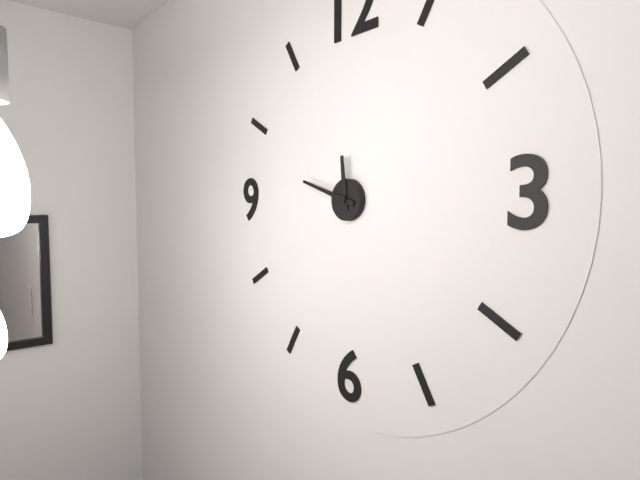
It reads {"hour": 11, "minute": 48}
